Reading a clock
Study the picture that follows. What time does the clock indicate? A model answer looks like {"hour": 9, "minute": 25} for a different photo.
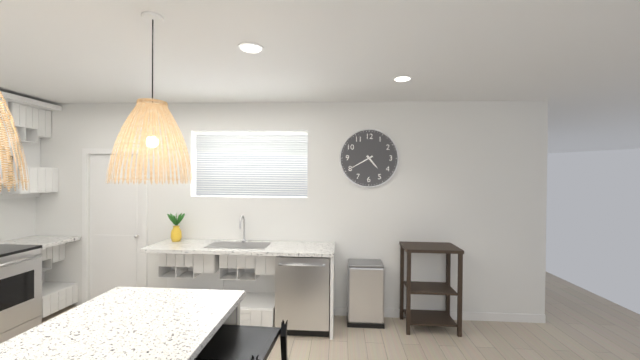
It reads {"hour": 4, "minute": 40}
